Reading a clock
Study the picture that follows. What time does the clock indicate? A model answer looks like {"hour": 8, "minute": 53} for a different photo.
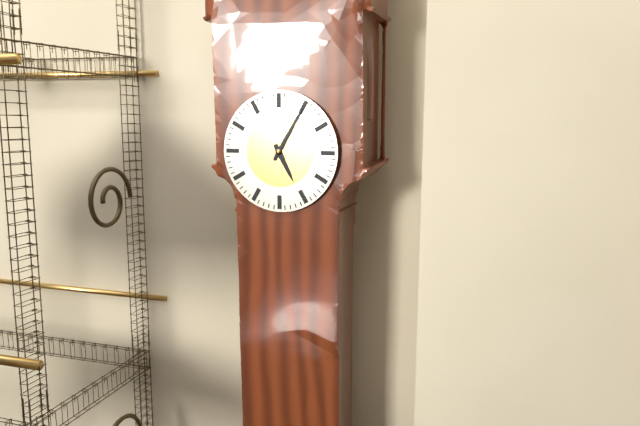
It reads {"hour": 5, "minute": 5}
